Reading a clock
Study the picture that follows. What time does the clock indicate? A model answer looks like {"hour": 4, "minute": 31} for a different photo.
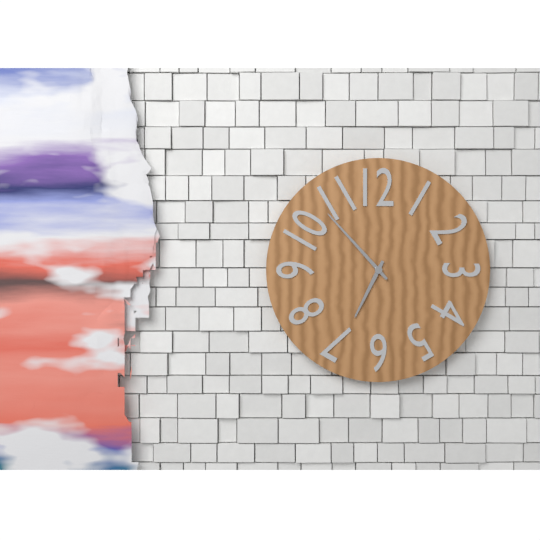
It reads {"hour": 6, "minute": 53}
